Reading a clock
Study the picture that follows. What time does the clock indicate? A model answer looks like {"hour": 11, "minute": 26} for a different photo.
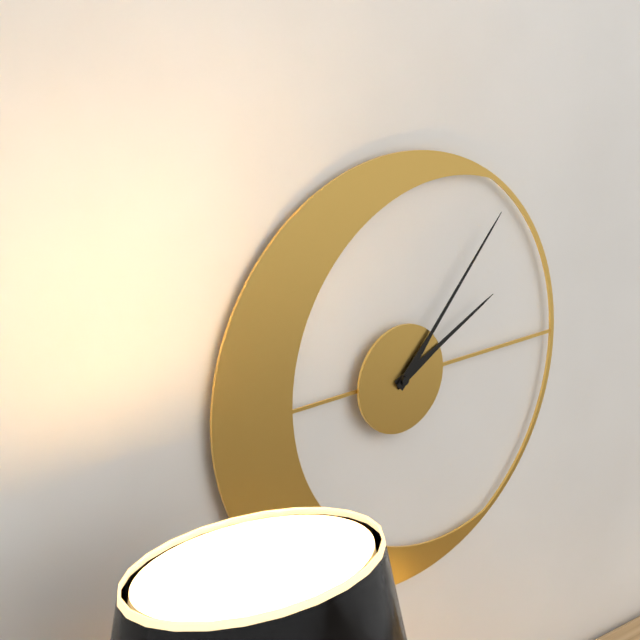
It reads {"hour": 2, "minute": 7}
